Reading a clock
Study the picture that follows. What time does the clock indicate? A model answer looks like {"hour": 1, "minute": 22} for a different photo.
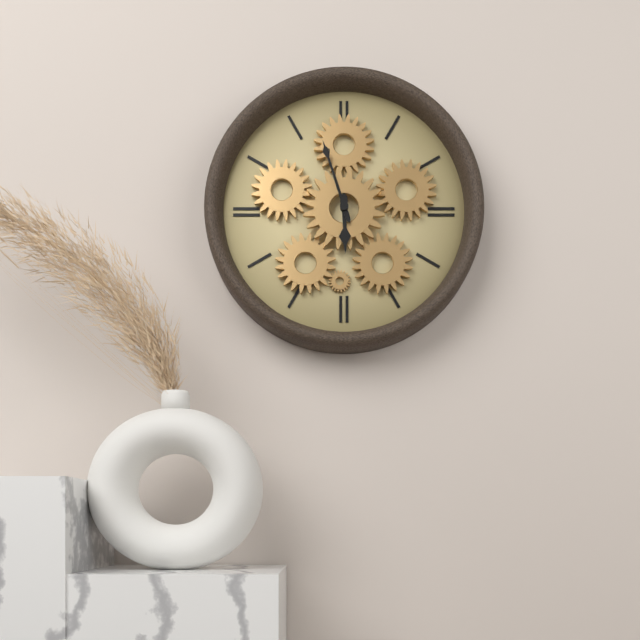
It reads {"hour": 5, "minute": 57}
